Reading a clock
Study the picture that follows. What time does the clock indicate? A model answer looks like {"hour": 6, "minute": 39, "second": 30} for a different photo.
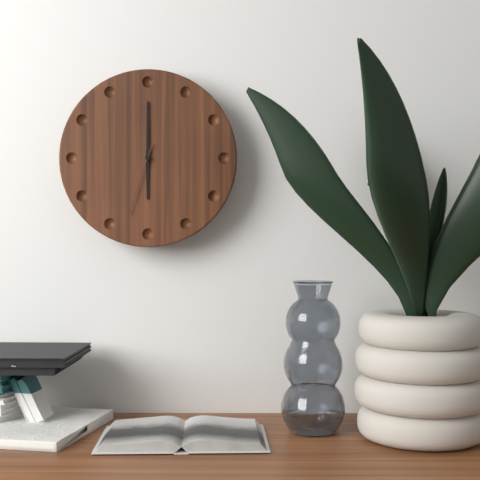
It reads {"hour": 6, "minute": 0, "second": 33}
